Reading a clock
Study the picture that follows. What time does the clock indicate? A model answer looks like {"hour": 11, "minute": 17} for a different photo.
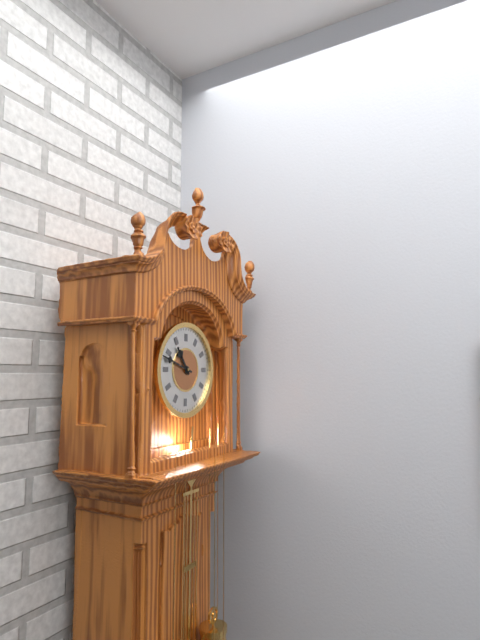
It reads {"hour": 10, "minute": 48}
